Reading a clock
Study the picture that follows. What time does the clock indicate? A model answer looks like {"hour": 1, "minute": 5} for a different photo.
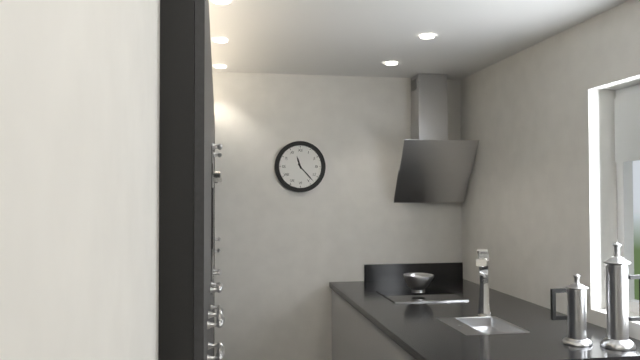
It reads {"hour": 11, "minute": 23}
